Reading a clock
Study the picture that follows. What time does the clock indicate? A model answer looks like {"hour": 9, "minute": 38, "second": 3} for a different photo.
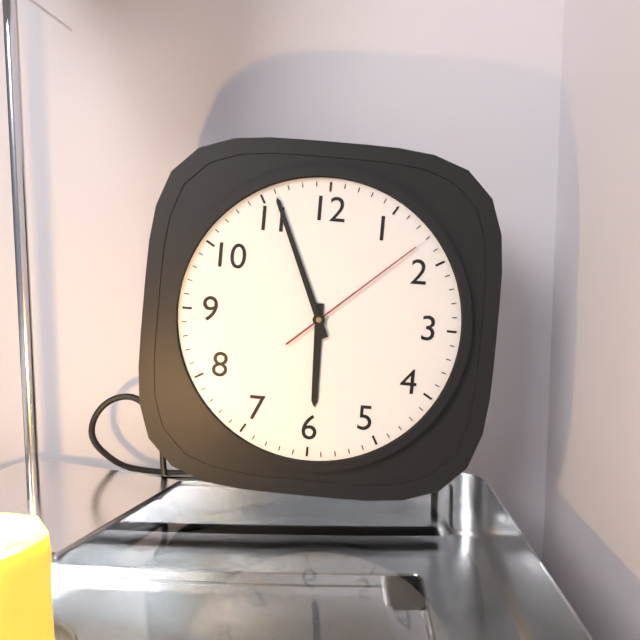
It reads {"hour": 5, "minute": 56, "second": 8}
